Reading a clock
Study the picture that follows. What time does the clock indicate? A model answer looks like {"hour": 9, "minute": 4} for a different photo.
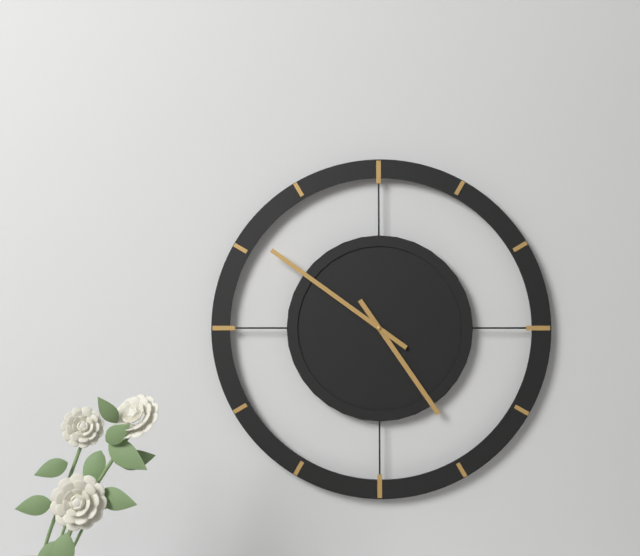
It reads {"hour": 4, "minute": 51}
